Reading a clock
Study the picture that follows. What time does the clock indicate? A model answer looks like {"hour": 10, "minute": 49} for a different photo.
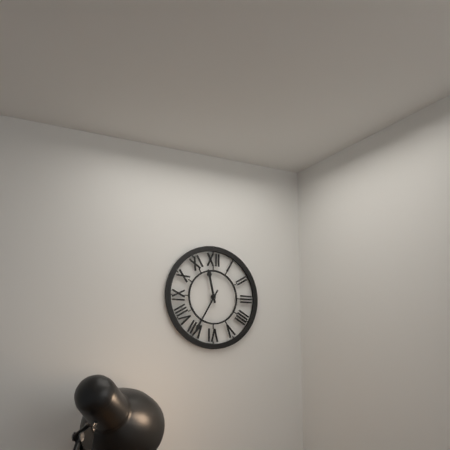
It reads {"hour": 11, "minute": 35}
